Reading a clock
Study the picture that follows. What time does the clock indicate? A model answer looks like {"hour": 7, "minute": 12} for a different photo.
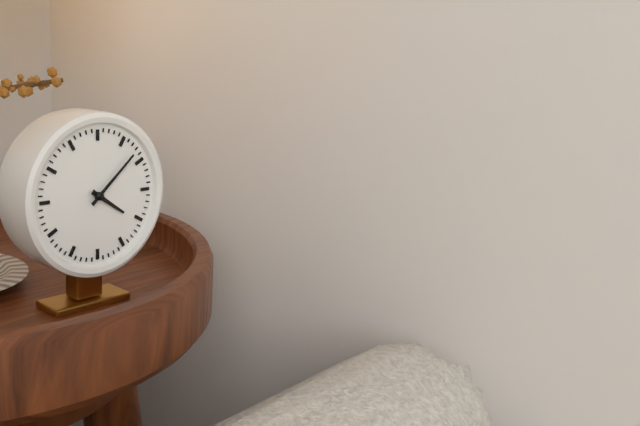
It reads {"hour": 4, "minute": 8}
